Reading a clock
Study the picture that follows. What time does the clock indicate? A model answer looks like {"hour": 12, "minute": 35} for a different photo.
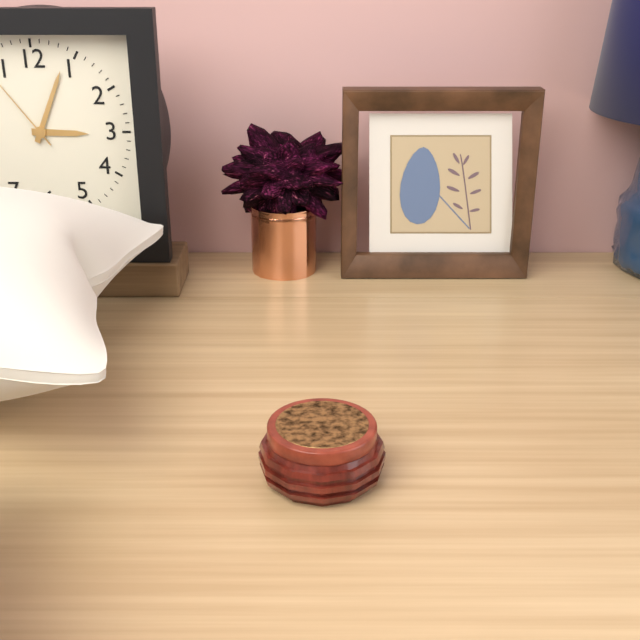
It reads {"hour": 3, "minute": 4}
